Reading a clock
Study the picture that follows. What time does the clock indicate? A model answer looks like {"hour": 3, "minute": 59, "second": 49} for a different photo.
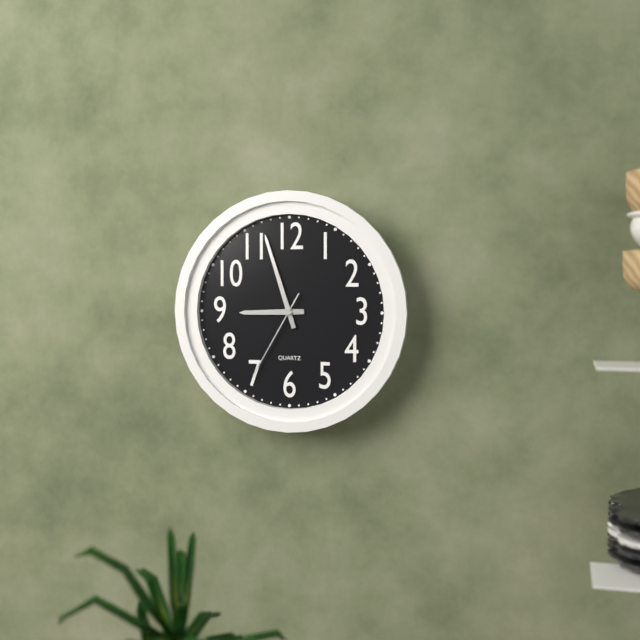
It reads {"hour": 8, "minute": 57, "second": 35}
